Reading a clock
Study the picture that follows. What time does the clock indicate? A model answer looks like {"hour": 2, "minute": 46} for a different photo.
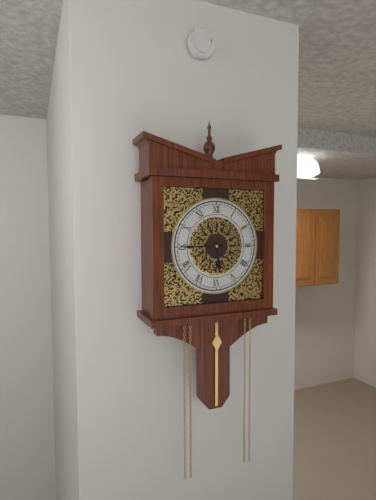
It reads {"hour": 5, "minute": 45}
